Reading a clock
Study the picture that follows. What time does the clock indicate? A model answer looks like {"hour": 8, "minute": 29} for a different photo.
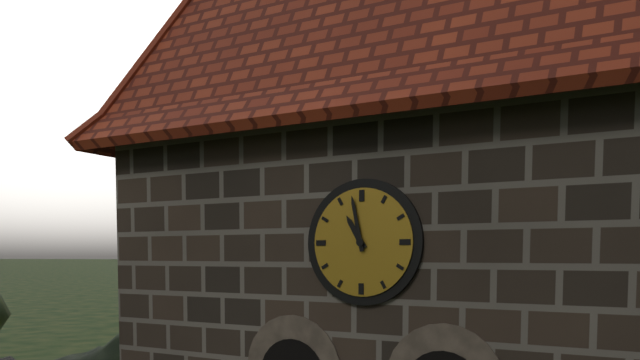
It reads {"hour": 10, "minute": 58}
